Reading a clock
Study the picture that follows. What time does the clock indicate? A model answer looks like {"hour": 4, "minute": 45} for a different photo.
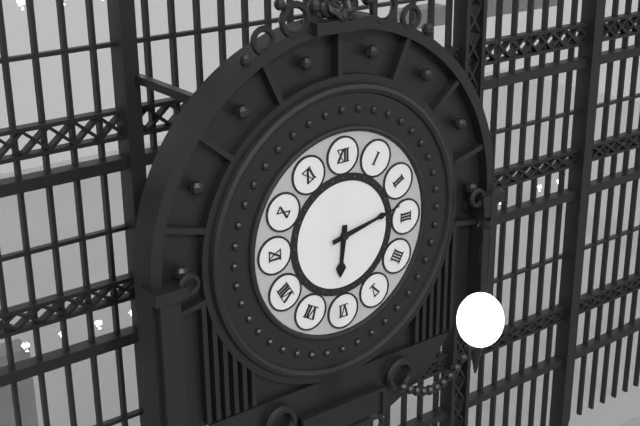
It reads {"hour": 6, "minute": 13}
